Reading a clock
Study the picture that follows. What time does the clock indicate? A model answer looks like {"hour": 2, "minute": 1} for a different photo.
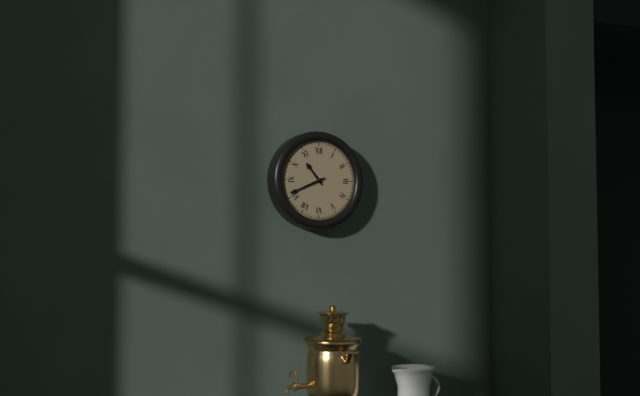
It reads {"hour": 10, "minute": 41}
